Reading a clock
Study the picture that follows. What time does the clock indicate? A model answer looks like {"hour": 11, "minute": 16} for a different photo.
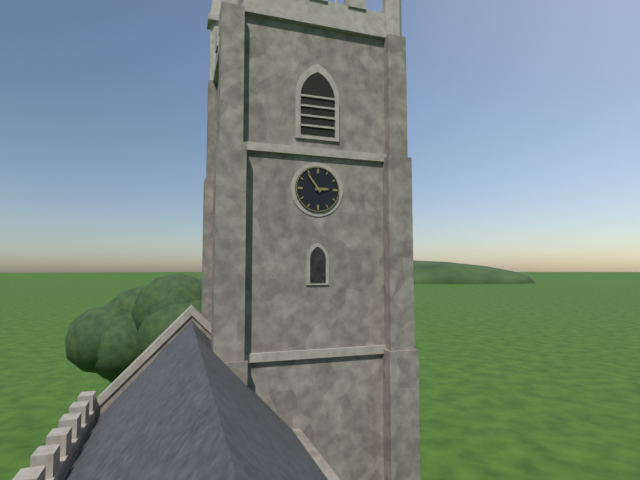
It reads {"hour": 2, "minute": 54}
